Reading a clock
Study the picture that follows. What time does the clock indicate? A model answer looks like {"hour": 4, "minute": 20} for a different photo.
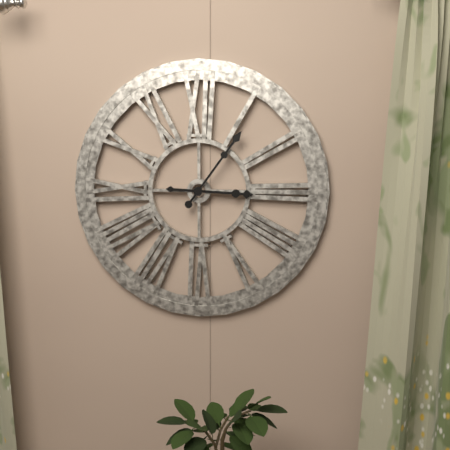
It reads {"hour": 3, "minute": 6}
